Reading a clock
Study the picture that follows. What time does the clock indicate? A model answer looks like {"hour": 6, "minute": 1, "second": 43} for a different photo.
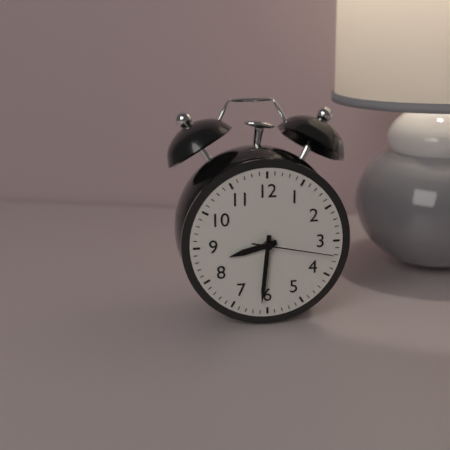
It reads {"hour": 8, "minute": 31, "second": 17}
